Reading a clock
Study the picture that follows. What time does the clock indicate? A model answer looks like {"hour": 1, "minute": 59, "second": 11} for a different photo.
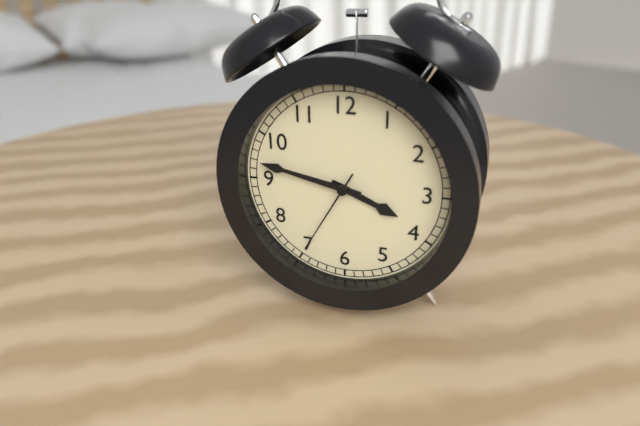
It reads {"hour": 3, "minute": 47, "second": 35}
